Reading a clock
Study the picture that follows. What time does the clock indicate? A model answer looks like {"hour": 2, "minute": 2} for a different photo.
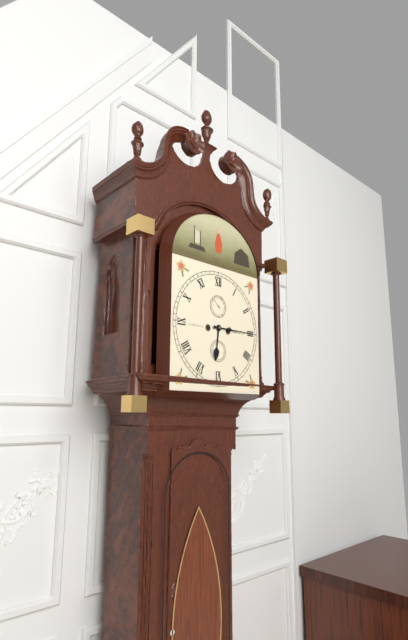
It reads {"hour": 6, "minute": 15}
